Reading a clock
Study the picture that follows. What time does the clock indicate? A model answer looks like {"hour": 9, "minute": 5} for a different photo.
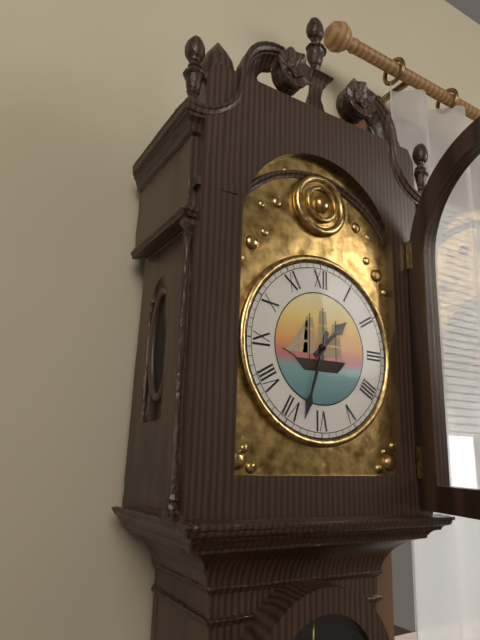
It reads {"hour": 1, "minute": 33}
